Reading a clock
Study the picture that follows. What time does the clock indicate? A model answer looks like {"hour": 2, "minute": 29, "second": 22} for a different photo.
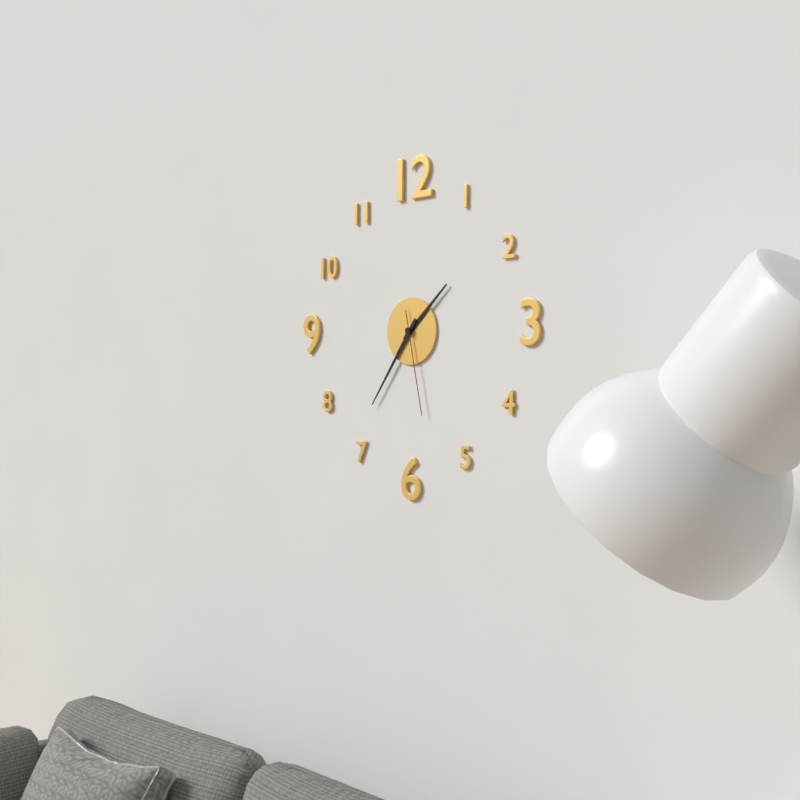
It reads {"hour": 1, "minute": 36, "second": 28}
